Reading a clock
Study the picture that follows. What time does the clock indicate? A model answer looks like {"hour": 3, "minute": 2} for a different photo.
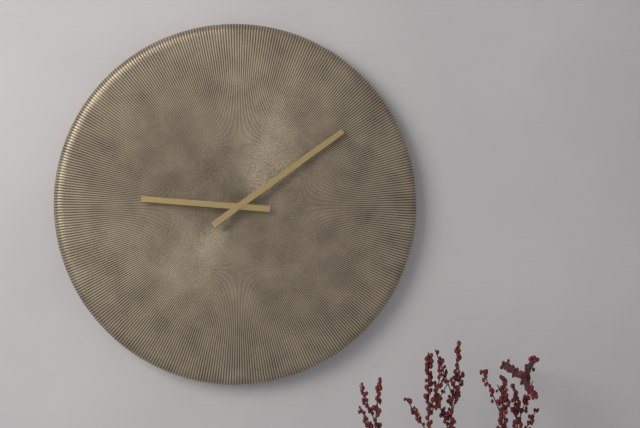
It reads {"hour": 9, "minute": 9}
